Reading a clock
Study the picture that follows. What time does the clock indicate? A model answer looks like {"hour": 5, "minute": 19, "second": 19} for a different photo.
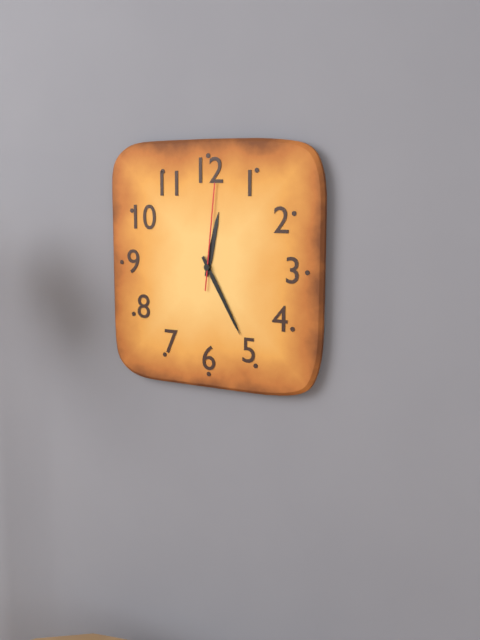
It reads {"hour": 12, "minute": 25, "second": 1}
